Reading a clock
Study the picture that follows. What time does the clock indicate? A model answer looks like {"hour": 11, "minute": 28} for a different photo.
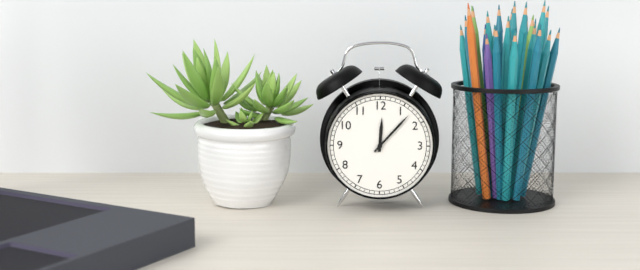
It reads {"hour": 12, "minute": 7}
